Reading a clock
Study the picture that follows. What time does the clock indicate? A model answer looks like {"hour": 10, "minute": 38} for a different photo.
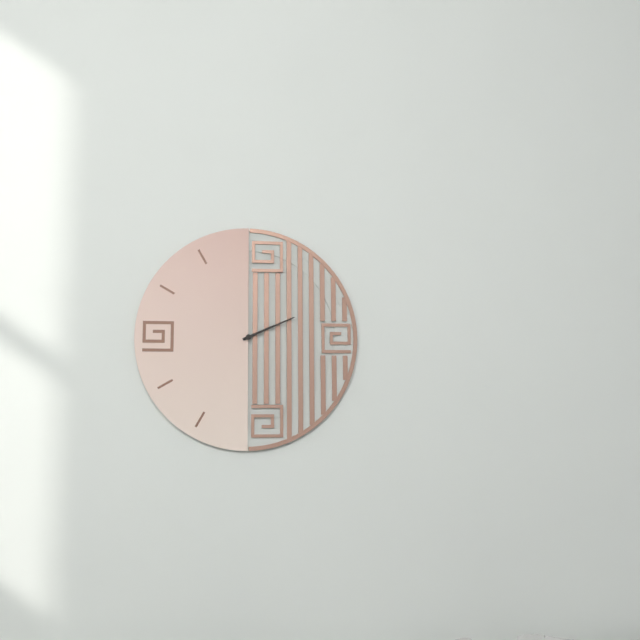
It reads {"hour": 2, "minute": 11}
